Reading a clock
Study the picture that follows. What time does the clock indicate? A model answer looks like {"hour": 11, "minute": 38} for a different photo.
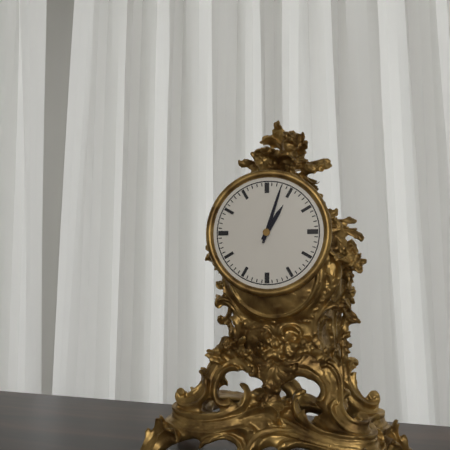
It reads {"hour": 1, "minute": 3}
